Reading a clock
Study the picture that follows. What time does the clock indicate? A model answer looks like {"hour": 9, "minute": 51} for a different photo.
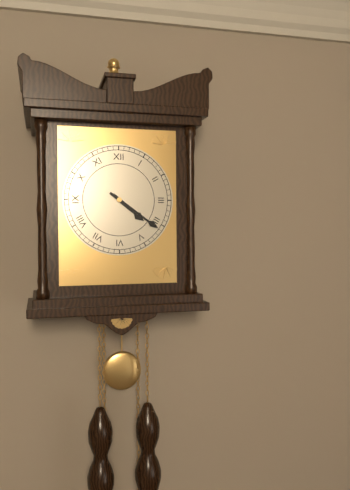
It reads {"hour": 4, "minute": 21}
